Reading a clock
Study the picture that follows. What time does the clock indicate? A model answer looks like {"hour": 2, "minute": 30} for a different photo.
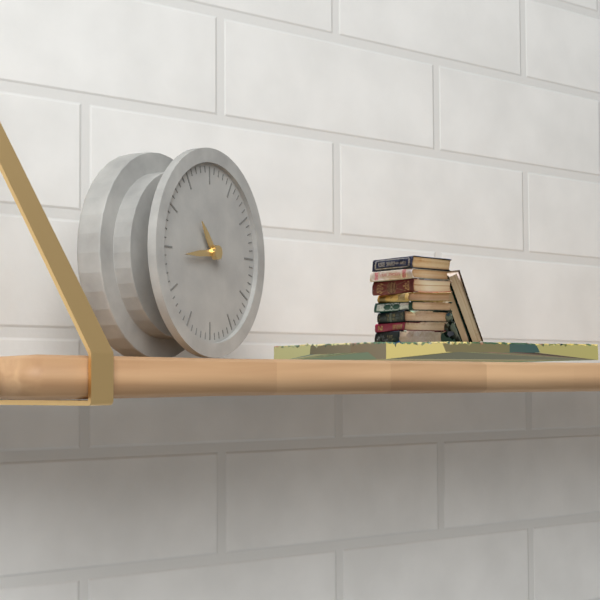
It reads {"hour": 10, "minute": 44}
